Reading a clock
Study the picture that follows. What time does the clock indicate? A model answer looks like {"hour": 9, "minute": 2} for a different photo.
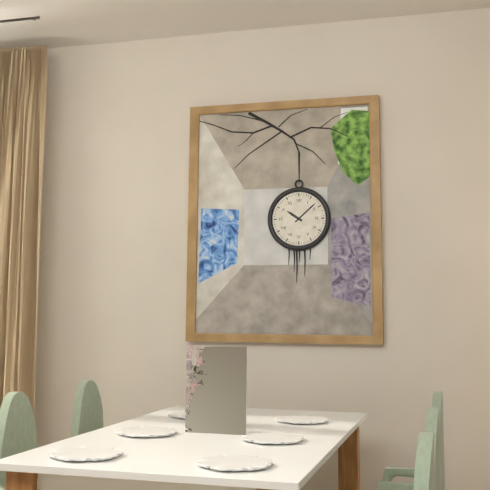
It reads {"hour": 10, "minute": 8}
